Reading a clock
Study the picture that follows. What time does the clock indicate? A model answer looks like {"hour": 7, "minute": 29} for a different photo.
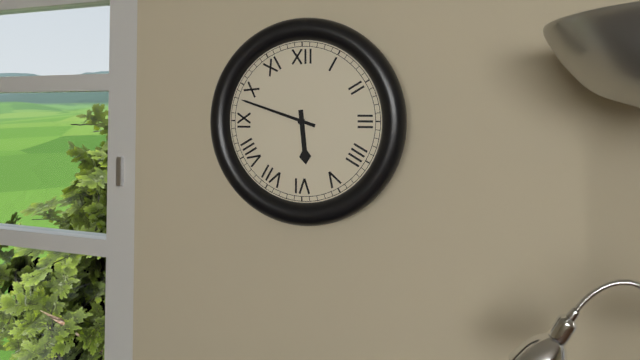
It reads {"hour": 5, "minute": 48}
